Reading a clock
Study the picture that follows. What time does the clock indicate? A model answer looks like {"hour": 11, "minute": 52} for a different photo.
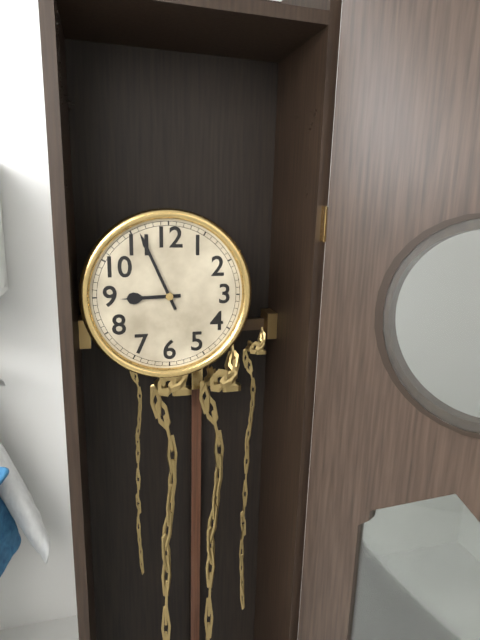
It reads {"hour": 8, "minute": 56}
